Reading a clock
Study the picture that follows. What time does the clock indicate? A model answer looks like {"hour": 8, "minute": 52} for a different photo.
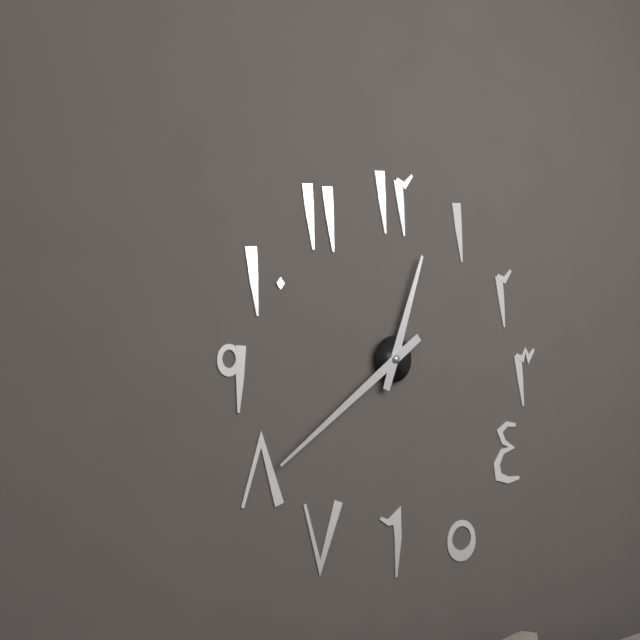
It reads {"hour": 12, "minute": 39}
